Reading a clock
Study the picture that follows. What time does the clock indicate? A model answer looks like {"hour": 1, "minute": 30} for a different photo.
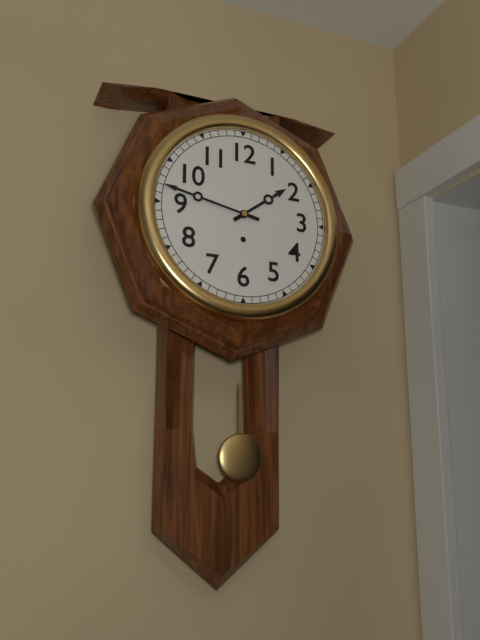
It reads {"hour": 1, "minute": 47}
